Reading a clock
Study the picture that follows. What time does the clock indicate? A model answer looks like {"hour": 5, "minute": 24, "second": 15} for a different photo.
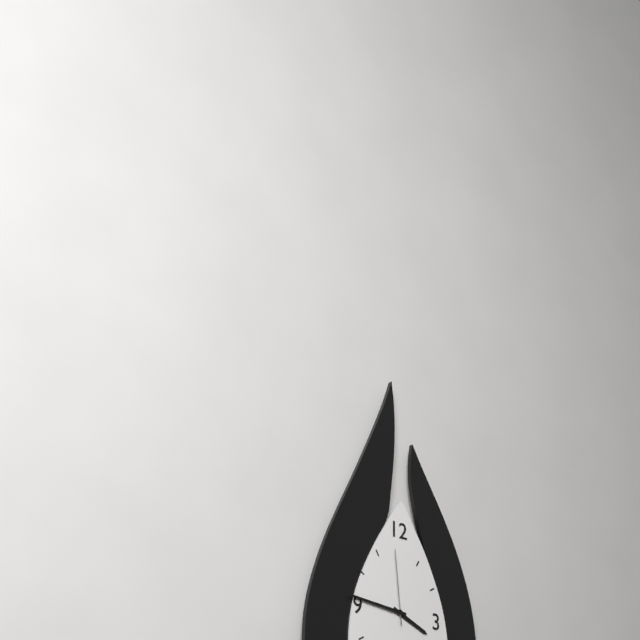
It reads {"hour": 3, "minute": 46, "second": 59}
